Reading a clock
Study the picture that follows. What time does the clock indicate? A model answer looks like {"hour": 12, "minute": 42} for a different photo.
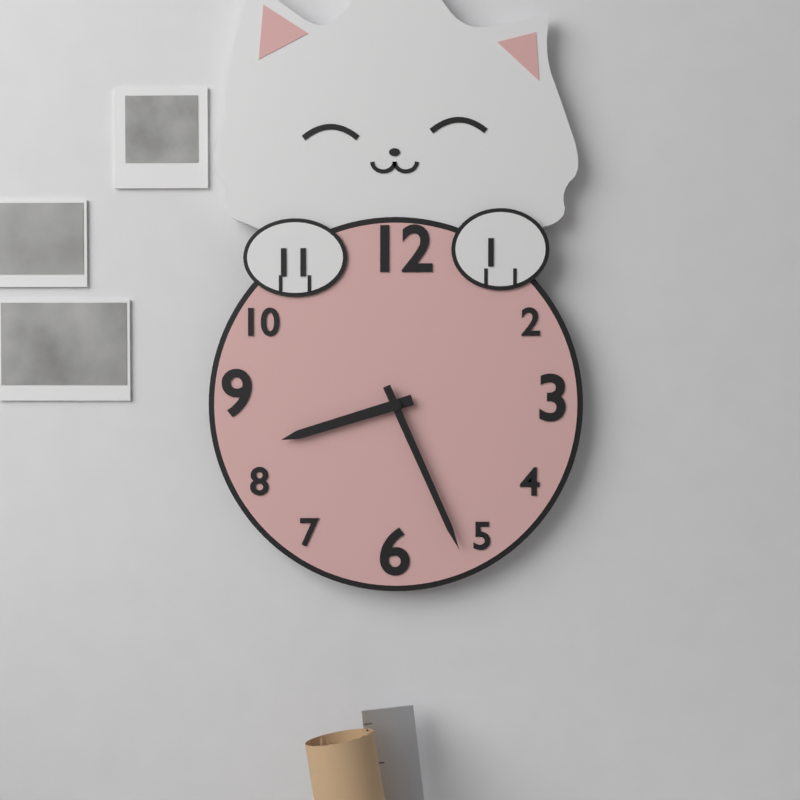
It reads {"hour": 8, "minute": 26}
